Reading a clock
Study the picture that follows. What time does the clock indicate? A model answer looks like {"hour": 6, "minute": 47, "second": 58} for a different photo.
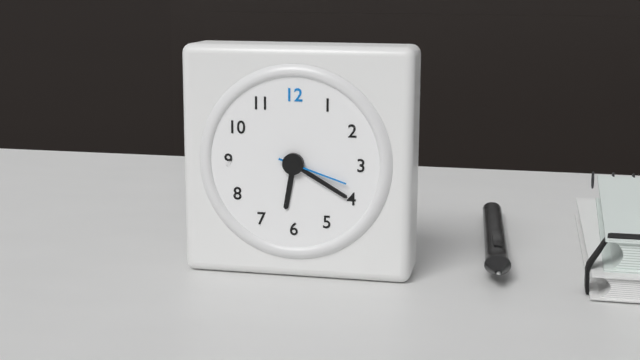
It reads {"hour": 6, "minute": 20, "second": 18}
